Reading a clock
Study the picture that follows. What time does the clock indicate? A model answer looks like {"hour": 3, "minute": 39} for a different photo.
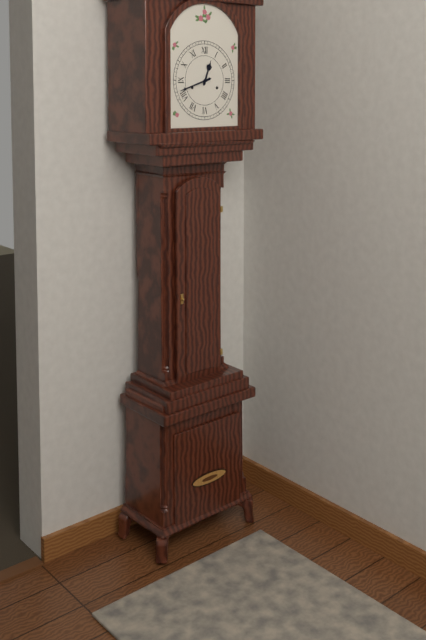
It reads {"hour": 12, "minute": 42}
